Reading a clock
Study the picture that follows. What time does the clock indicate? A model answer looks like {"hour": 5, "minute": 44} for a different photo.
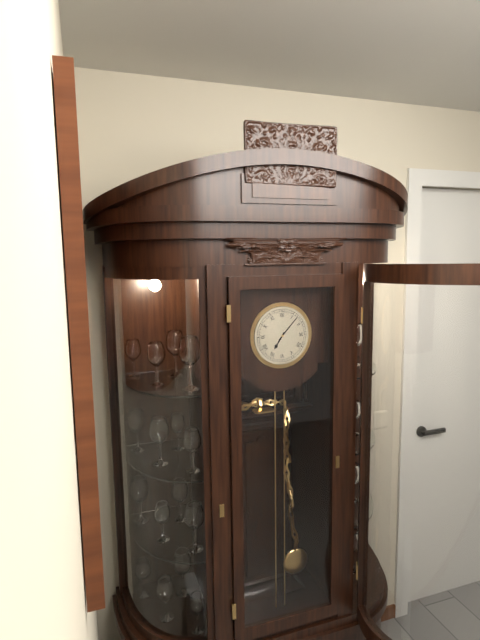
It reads {"hour": 7, "minute": 7}
